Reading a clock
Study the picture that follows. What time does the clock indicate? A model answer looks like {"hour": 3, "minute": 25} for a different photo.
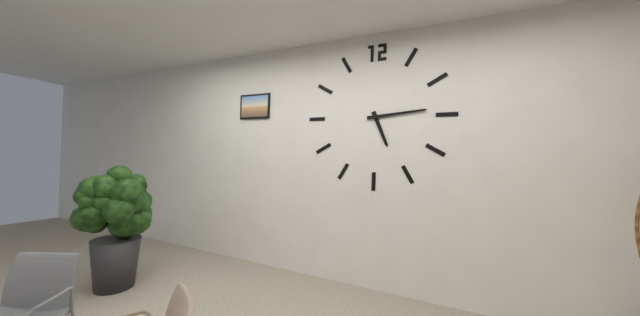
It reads {"hour": 5, "minute": 14}
